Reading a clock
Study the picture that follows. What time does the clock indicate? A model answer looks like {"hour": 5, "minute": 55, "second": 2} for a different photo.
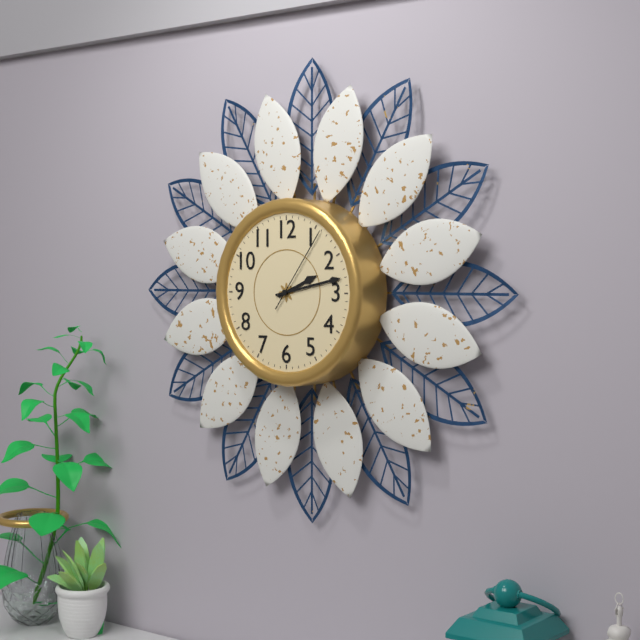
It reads {"hour": 2, "minute": 13, "second": 6}
